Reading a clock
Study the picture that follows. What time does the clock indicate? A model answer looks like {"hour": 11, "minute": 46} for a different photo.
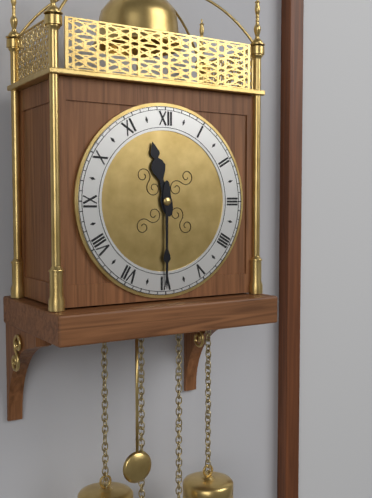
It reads {"hour": 11, "minute": 30}
